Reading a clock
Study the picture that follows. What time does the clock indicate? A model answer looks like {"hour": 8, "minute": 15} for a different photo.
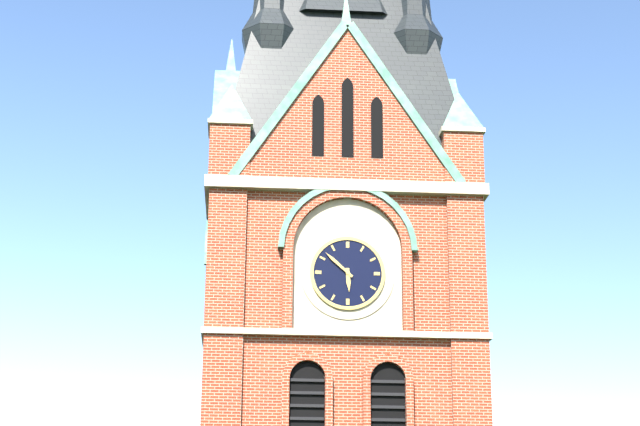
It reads {"hour": 5, "minute": 52}
